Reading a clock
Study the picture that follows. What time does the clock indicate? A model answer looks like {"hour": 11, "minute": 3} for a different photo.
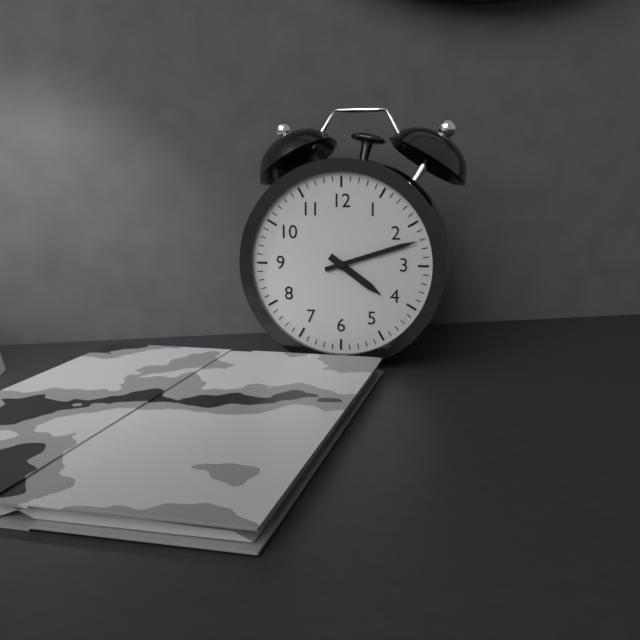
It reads {"hour": 4, "minute": 12}
